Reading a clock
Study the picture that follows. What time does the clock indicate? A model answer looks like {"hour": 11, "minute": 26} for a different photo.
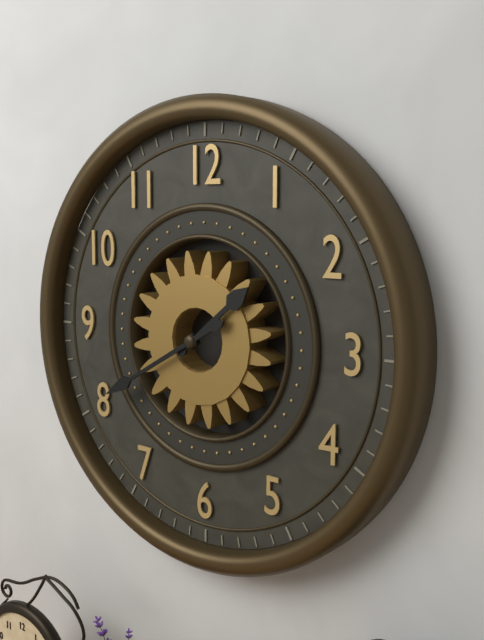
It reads {"hour": 1, "minute": 40}
